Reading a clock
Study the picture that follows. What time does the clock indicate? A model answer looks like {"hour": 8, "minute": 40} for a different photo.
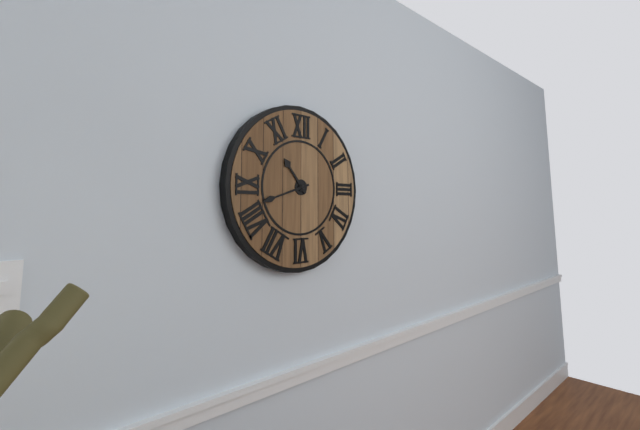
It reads {"hour": 10, "minute": 42}
